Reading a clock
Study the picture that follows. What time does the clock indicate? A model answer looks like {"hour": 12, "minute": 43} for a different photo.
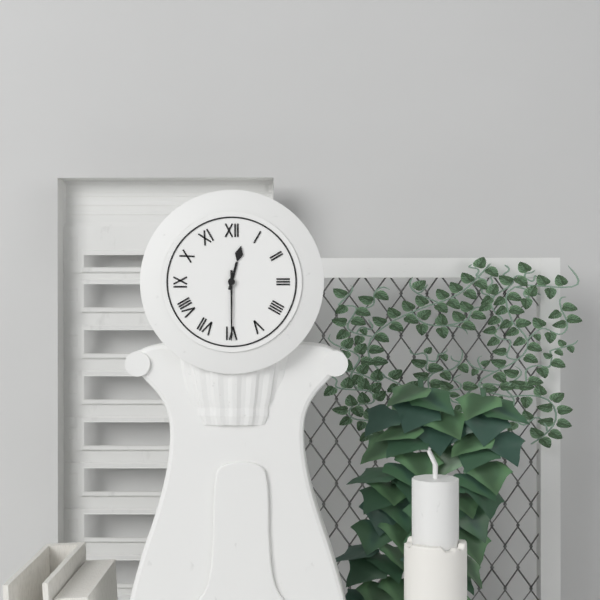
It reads {"hour": 12, "minute": 30}
